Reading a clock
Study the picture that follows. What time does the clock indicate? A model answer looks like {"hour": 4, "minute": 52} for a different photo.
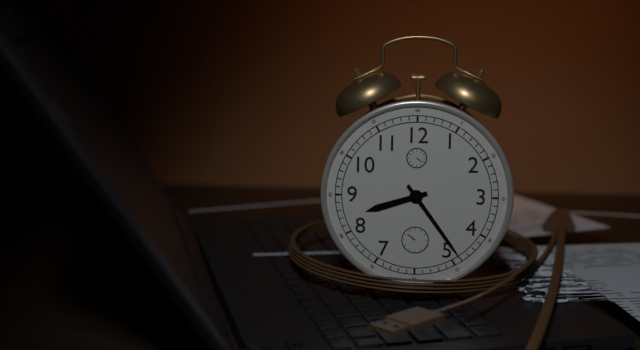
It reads {"hour": 8, "minute": 24}
